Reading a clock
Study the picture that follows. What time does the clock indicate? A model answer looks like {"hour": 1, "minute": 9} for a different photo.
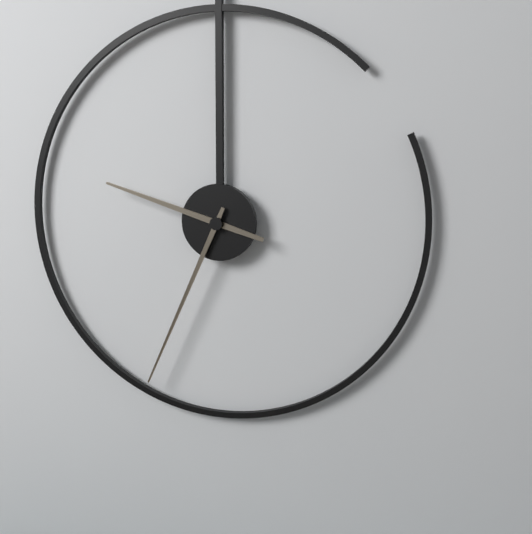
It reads {"hour": 9, "minute": 34}
